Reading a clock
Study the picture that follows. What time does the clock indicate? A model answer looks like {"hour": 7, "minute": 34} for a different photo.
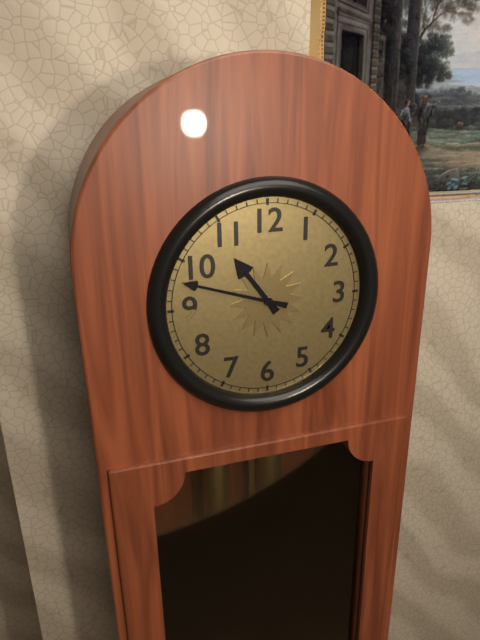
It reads {"hour": 10, "minute": 48}
